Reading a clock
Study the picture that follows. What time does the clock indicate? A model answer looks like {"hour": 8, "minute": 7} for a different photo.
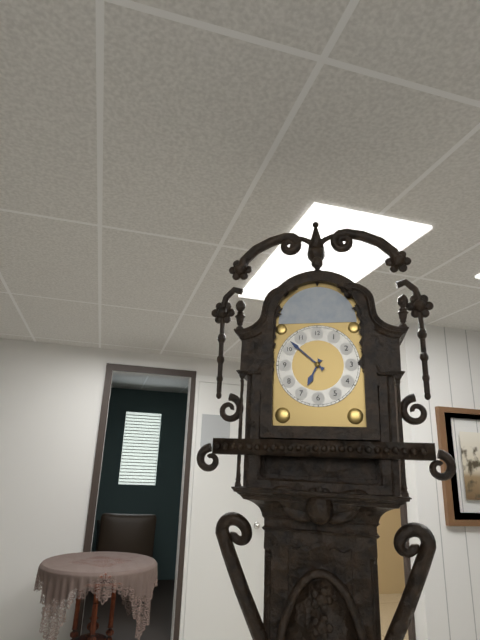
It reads {"hour": 6, "minute": 52}
